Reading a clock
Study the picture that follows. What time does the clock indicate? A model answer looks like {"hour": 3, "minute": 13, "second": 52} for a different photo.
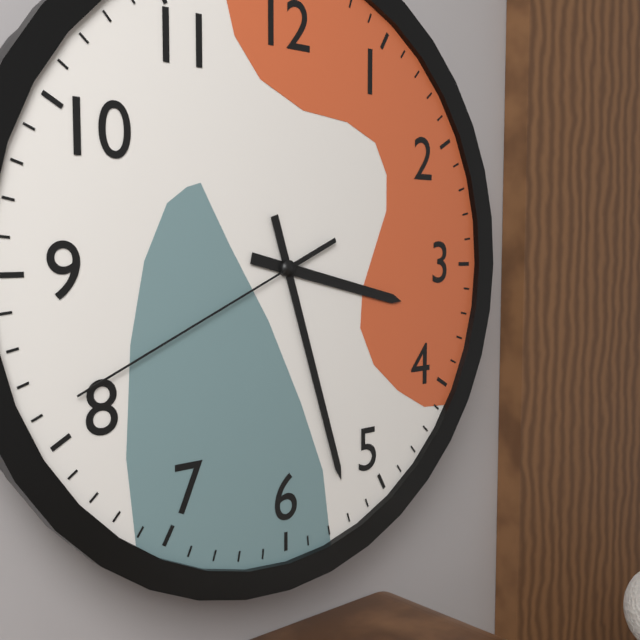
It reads {"hour": 3, "minute": 27, "second": 41}
